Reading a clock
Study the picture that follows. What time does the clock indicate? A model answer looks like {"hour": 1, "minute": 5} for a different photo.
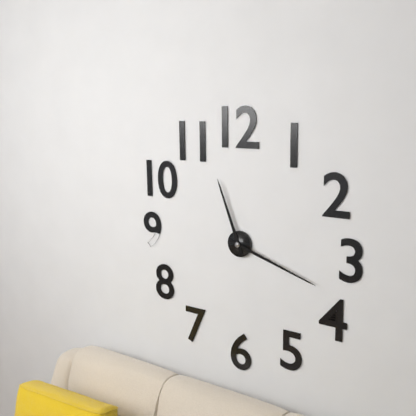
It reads {"hour": 11, "minute": 18}
